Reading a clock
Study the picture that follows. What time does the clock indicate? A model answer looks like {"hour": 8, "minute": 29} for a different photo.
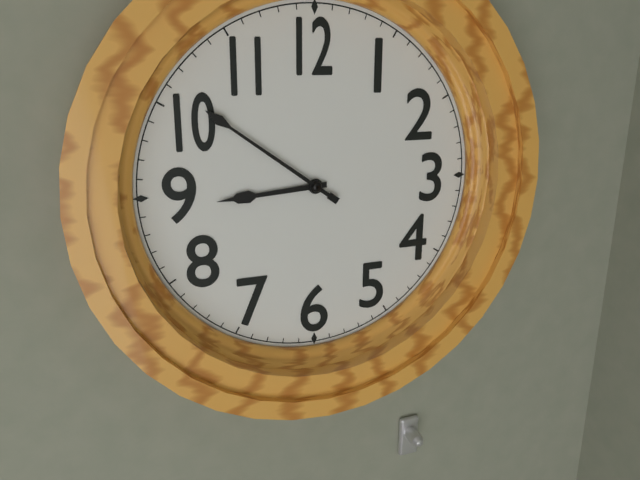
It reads {"hour": 8, "minute": 51}
